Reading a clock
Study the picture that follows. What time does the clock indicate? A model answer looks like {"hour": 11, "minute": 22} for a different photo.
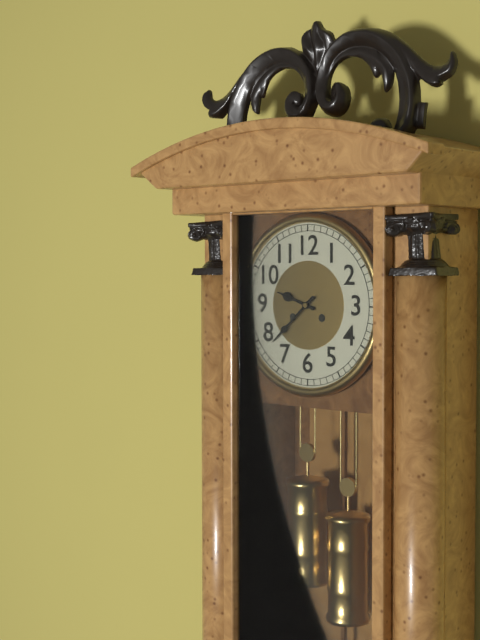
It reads {"hour": 9, "minute": 38}
